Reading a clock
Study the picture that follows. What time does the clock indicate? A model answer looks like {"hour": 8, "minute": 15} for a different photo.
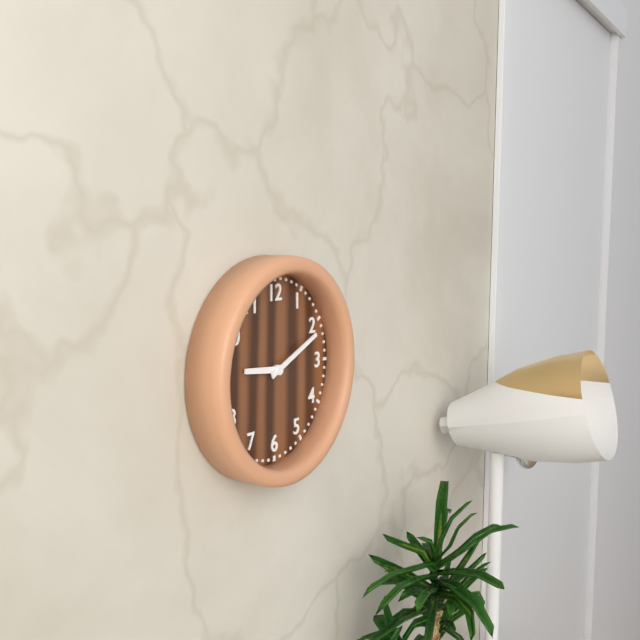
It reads {"hour": 9, "minute": 11}
